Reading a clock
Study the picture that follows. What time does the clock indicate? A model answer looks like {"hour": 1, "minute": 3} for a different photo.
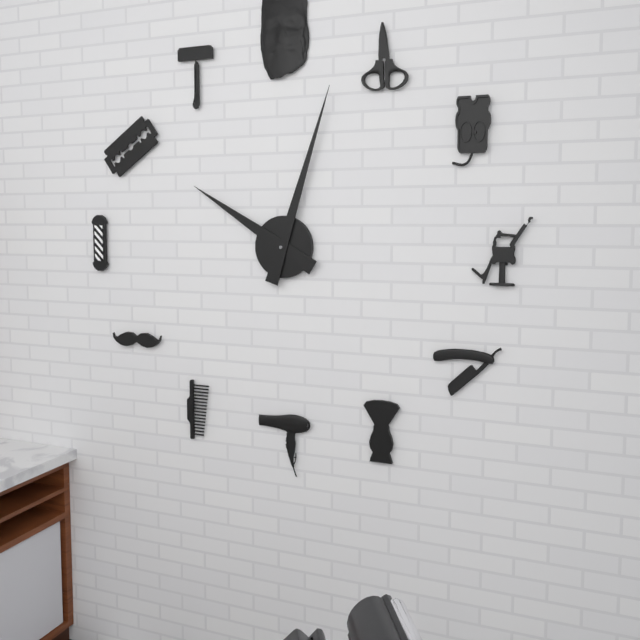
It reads {"hour": 10, "minute": 3}
